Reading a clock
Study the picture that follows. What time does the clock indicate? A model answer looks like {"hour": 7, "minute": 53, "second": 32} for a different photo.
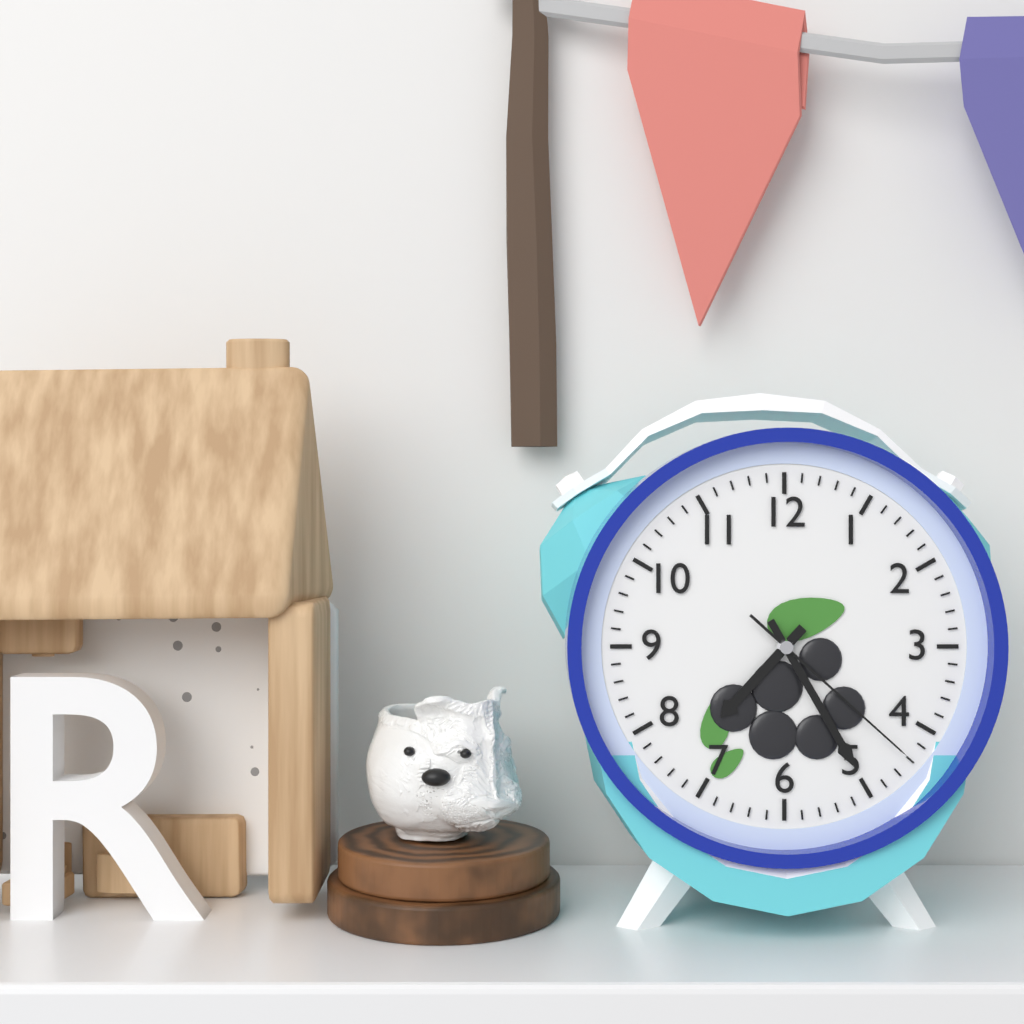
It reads {"hour": 7, "minute": 25, "second": 22}
